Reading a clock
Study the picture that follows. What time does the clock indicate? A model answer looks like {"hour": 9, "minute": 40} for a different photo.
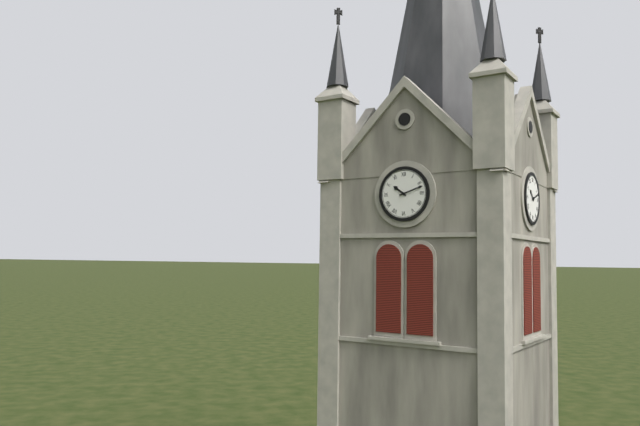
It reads {"hour": 10, "minute": 12}
